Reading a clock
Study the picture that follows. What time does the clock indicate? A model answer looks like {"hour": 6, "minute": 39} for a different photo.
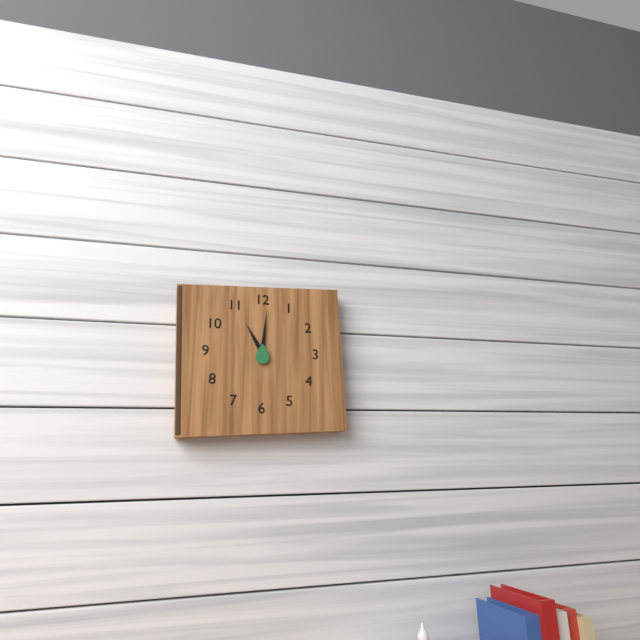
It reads {"hour": 11, "minute": 1}
